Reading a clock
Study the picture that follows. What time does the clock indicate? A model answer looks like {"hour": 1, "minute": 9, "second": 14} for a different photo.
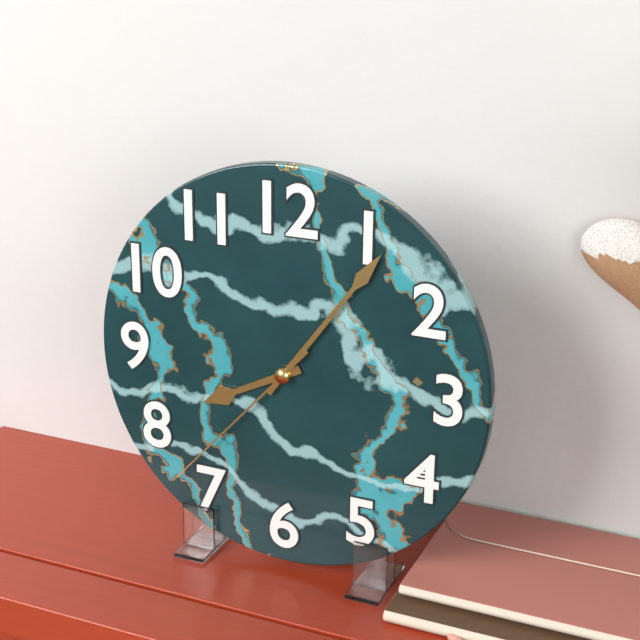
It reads {"hour": 8, "minute": 6, "second": 37}
